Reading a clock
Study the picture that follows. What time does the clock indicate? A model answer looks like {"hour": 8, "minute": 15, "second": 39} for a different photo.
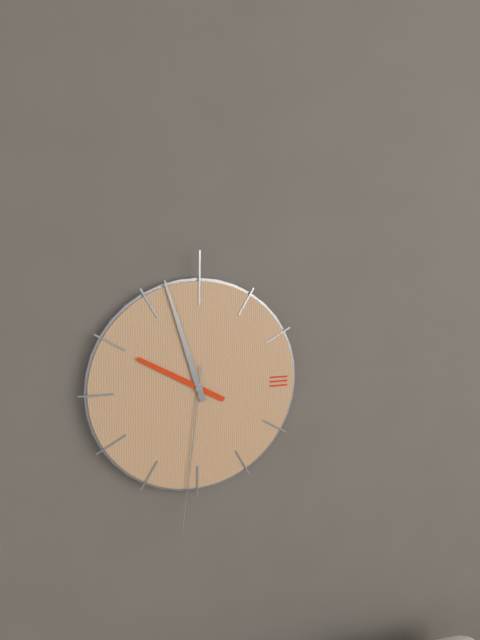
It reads {"hour": 9, "minute": 57, "second": 31}
